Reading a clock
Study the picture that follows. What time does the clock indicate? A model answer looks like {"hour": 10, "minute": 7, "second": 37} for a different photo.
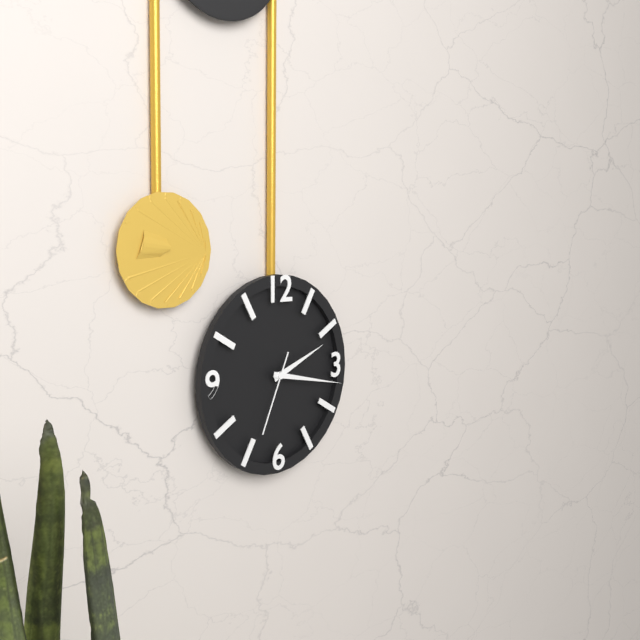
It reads {"hour": 2, "minute": 17, "second": 34}
